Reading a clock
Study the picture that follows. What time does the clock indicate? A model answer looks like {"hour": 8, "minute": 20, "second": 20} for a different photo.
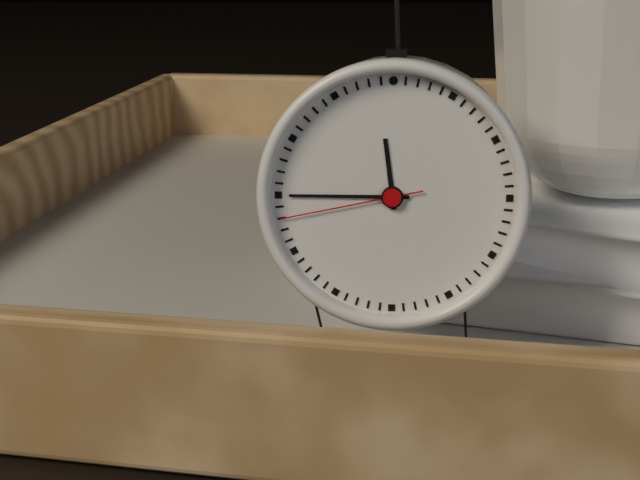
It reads {"hour": 11, "minute": 45, "second": 43}
